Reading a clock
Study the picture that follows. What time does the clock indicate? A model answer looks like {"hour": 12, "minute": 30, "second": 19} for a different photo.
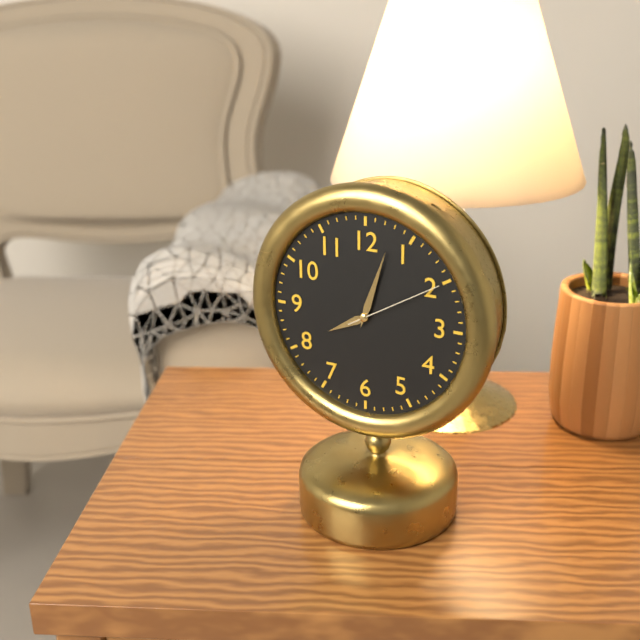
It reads {"hour": 8, "minute": 3, "second": 10}
